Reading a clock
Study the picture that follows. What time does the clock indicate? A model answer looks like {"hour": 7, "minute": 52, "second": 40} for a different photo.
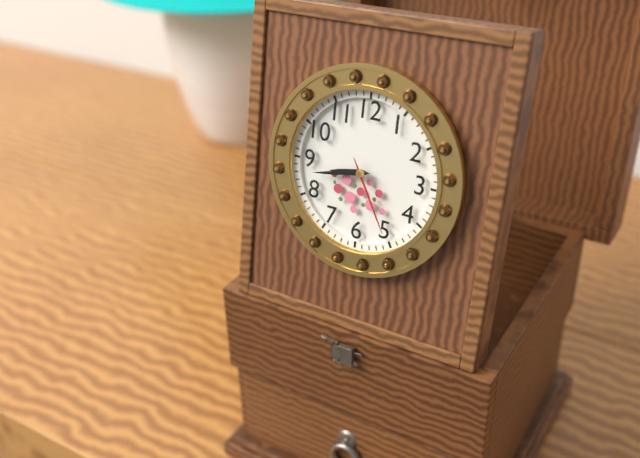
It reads {"hour": 8, "minute": 43, "second": 25}
